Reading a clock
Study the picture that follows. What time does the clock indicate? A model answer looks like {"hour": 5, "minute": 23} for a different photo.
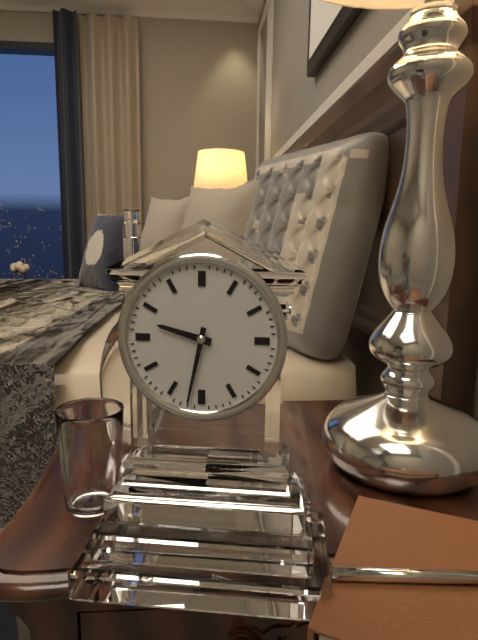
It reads {"hour": 9, "minute": 32}
